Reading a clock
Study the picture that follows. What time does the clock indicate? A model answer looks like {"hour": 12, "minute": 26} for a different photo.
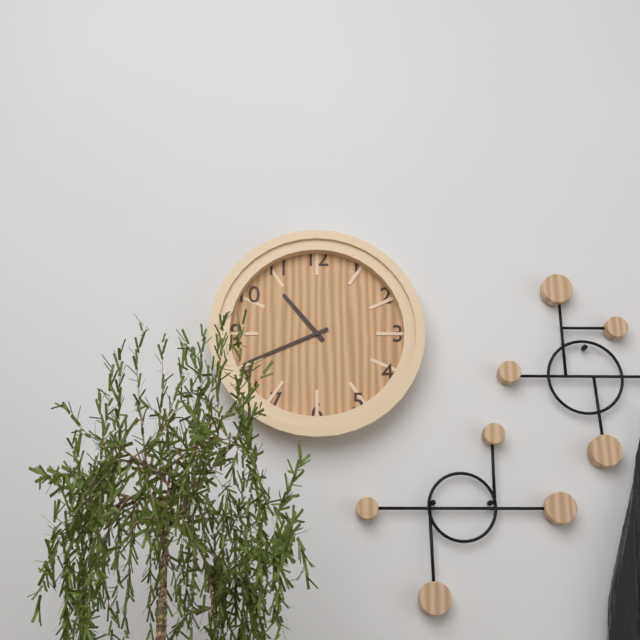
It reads {"hour": 10, "minute": 41}
